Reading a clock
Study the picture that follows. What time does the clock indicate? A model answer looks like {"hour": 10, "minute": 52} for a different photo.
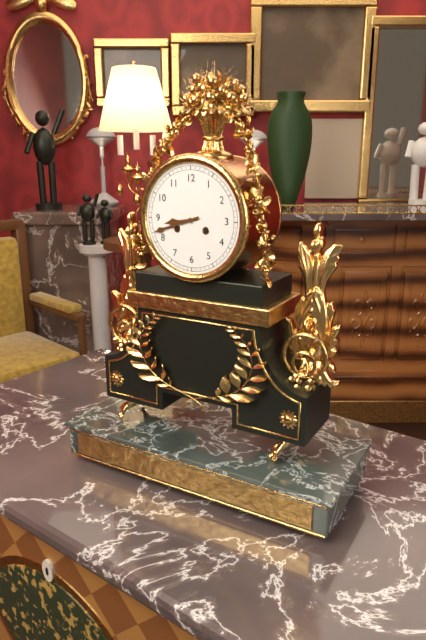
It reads {"hour": 8, "minute": 42}
